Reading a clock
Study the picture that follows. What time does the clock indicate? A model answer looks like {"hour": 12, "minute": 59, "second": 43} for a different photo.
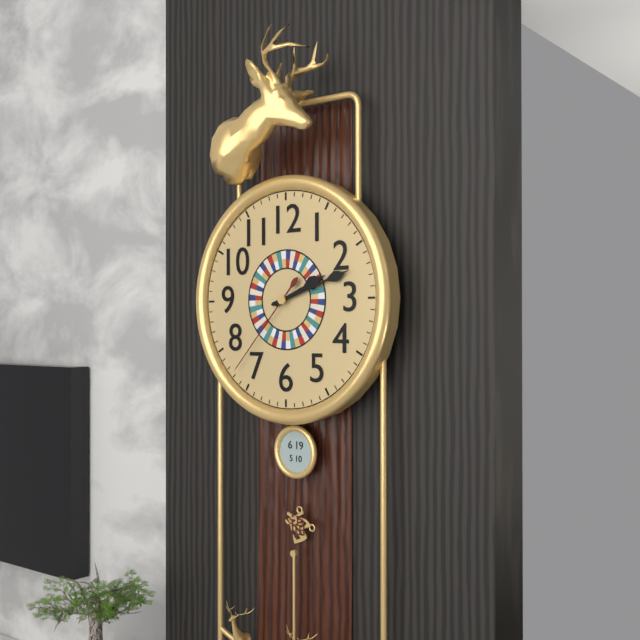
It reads {"hour": 2, "minute": 12, "second": 37}
